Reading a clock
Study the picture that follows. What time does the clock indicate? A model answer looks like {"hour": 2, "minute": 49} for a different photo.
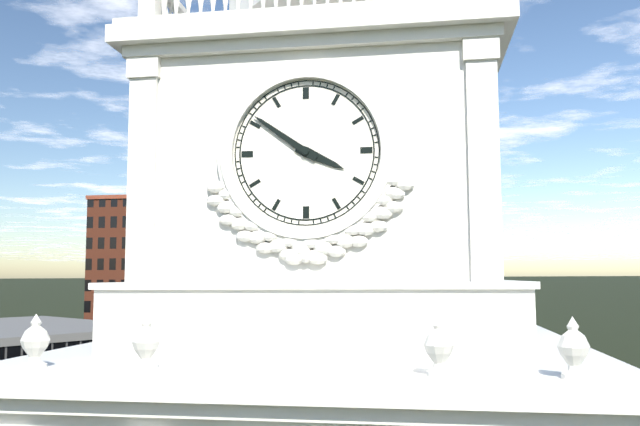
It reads {"hour": 3, "minute": 51}
